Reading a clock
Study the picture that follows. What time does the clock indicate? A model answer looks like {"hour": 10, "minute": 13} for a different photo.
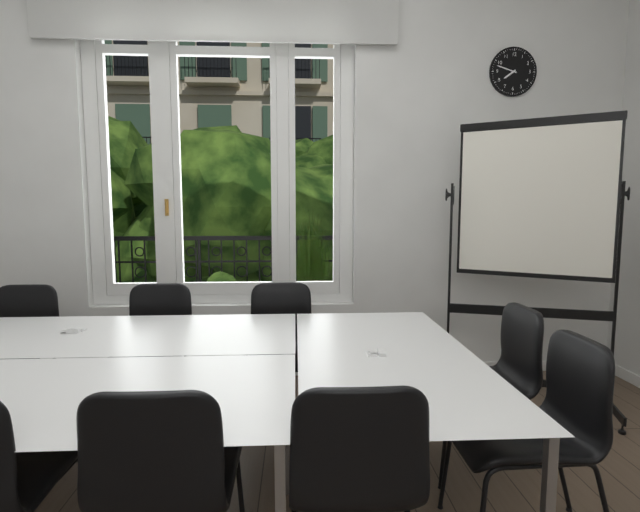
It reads {"hour": 7, "minute": 48}
